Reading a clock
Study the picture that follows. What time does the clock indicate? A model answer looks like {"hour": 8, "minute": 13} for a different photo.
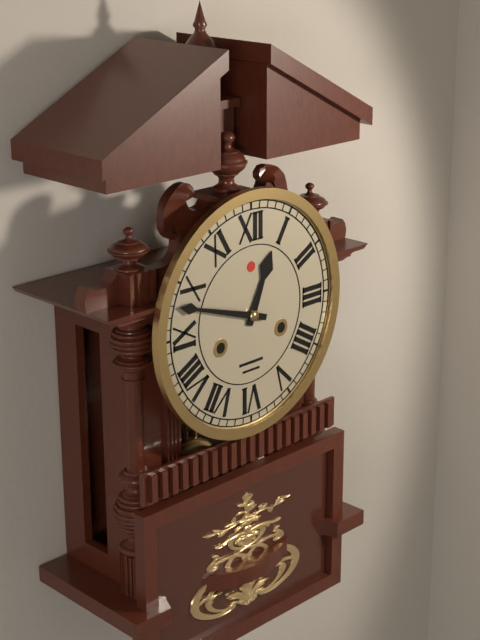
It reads {"hour": 12, "minute": 48}
